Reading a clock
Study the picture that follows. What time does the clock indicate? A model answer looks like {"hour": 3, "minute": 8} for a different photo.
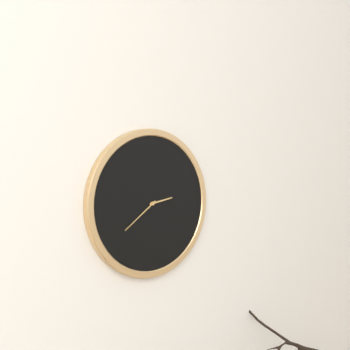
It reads {"hour": 2, "minute": 39}
